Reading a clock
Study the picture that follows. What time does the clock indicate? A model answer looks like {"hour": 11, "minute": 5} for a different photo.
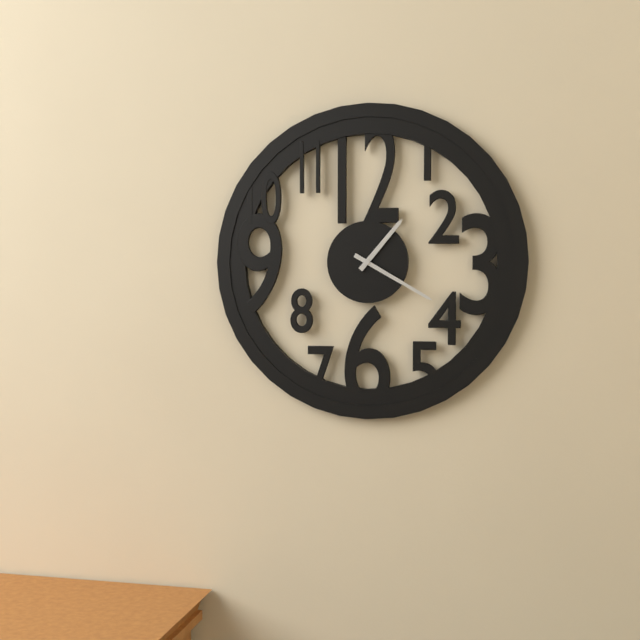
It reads {"hour": 1, "minute": 20}
